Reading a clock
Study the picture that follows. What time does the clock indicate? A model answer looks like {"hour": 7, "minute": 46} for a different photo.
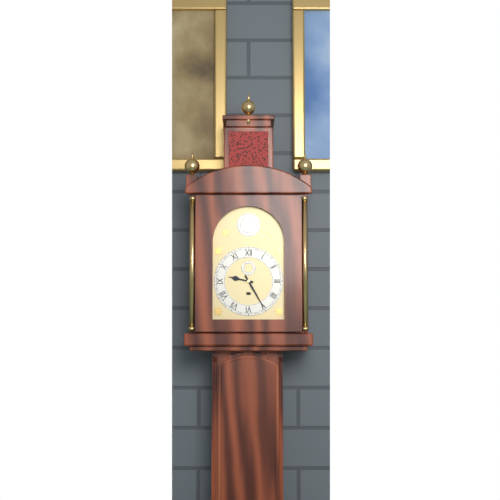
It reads {"hour": 9, "minute": 25}
